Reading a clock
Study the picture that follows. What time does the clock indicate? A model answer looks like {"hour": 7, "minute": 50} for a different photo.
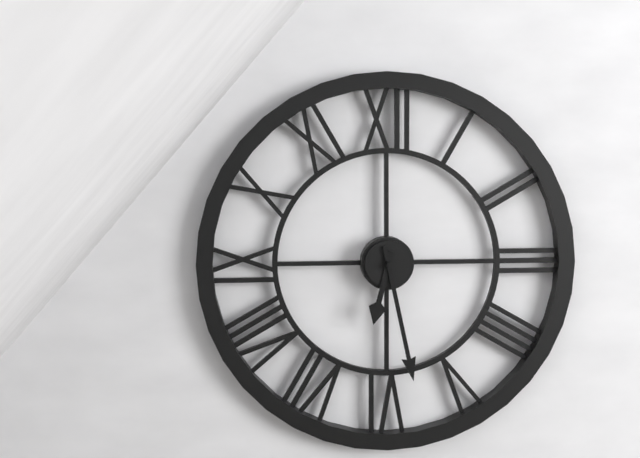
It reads {"hour": 6, "minute": 28}
